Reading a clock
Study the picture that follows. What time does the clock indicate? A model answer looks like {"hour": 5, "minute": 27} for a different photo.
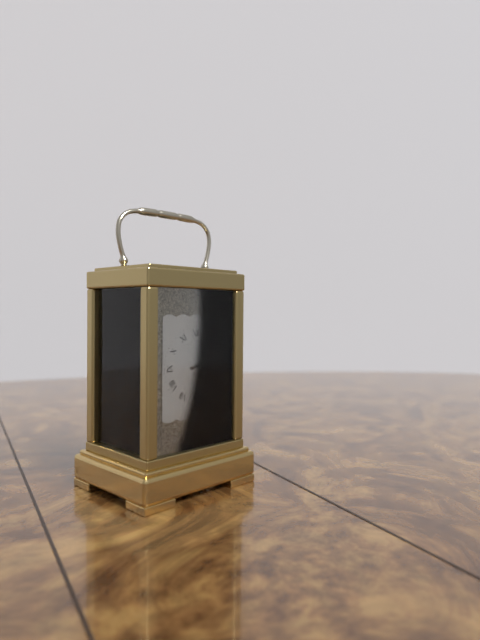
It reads {"hour": 2, "minute": 14}
